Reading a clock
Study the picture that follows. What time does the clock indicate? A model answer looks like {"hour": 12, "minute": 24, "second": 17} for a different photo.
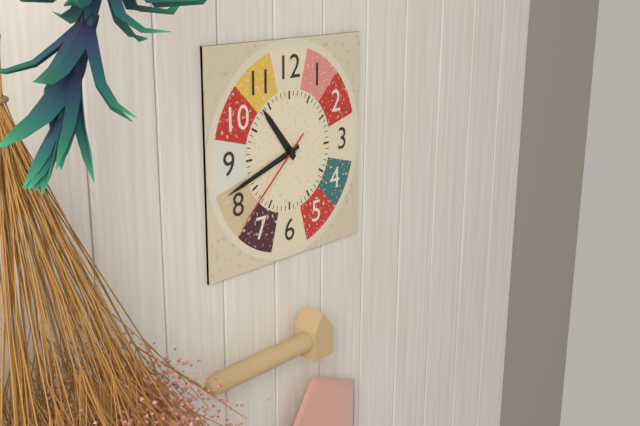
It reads {"hour": 10, "minute": 42, "second": 38}
